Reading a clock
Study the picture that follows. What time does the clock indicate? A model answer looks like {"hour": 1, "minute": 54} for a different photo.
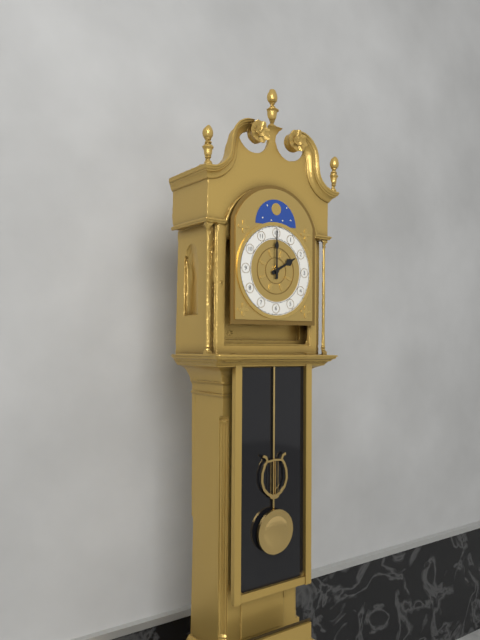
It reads {"hour": 2, "minute": 0}
